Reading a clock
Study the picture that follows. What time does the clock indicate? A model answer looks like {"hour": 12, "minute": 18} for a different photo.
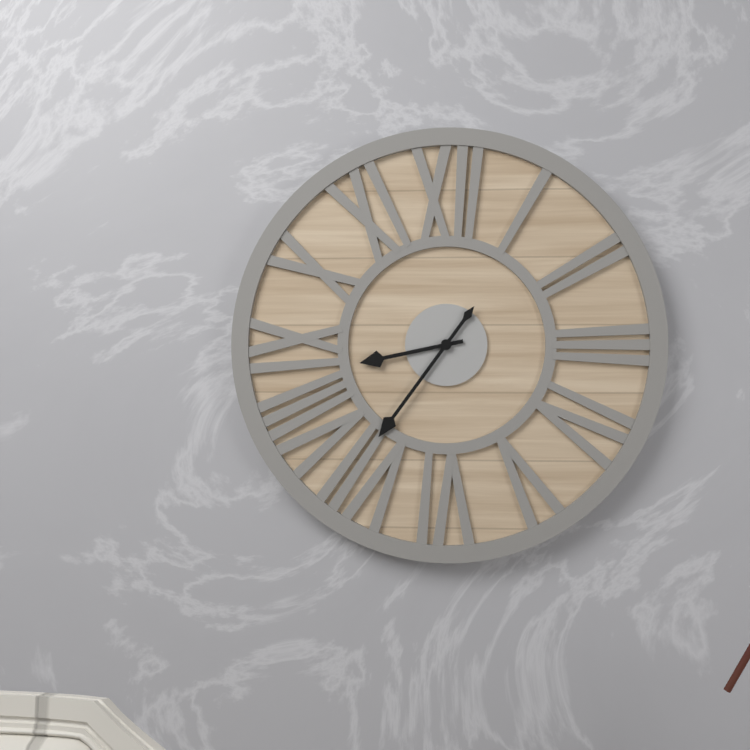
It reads {"hour": 8, "minute": 36}
